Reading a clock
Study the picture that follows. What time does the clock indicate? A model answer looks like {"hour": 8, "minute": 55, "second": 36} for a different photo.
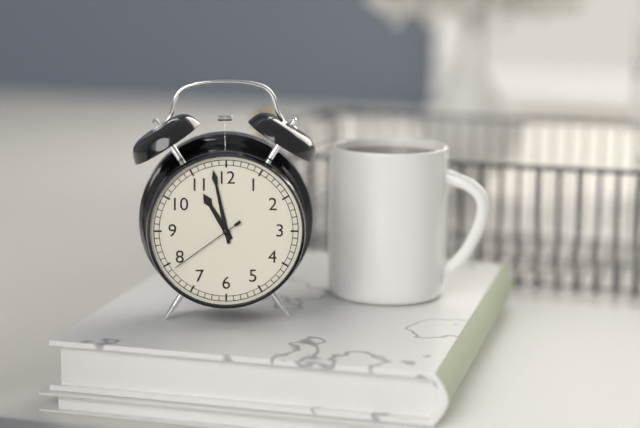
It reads {"hour": 10, "minute": 58, "second": 39}
